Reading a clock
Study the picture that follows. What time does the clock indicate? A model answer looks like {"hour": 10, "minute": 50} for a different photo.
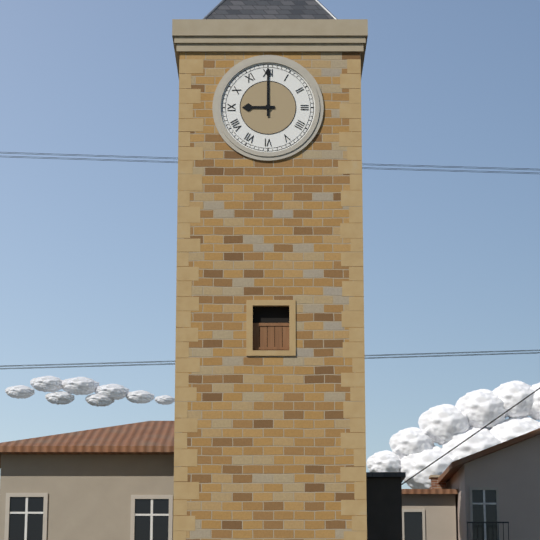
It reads {"hour": 9, "minute": 0}
